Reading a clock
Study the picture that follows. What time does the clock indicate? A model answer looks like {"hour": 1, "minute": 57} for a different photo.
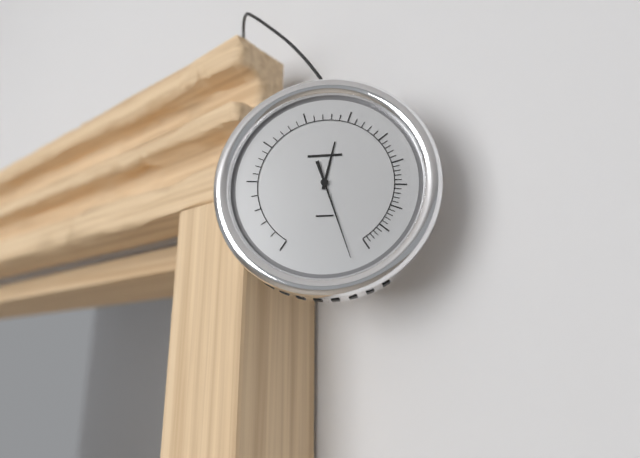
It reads {"hour": 12, "minute": 27}
